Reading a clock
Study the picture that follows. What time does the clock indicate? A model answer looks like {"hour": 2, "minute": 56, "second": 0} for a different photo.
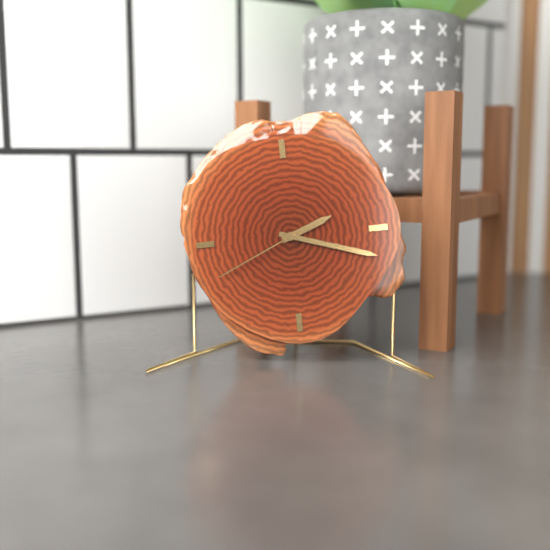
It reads {"hour": 2, "minute": 18, "second": 41}
